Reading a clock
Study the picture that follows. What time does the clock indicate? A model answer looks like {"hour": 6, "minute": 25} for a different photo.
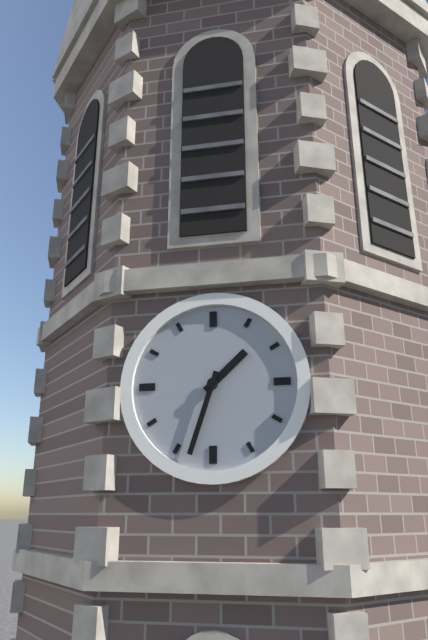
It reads {"hour": 1, "minute": 33}
